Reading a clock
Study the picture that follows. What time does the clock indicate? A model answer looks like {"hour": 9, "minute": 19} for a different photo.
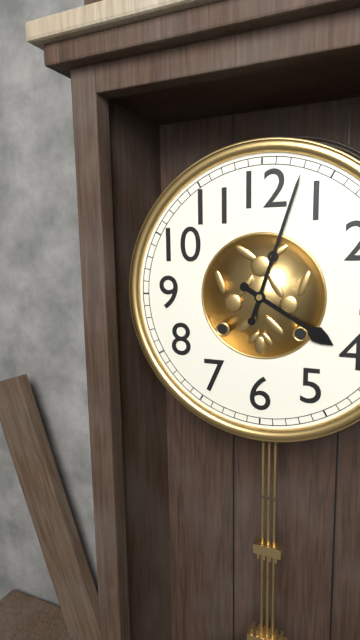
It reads {"hour": 4, "minute": 3}
